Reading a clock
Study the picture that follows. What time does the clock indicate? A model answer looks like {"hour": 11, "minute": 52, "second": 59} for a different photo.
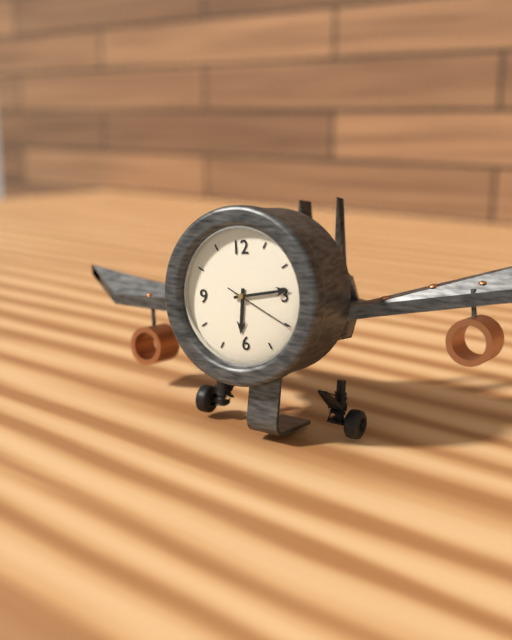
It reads {"hour": 6, "minute": 14, "second": 20}
